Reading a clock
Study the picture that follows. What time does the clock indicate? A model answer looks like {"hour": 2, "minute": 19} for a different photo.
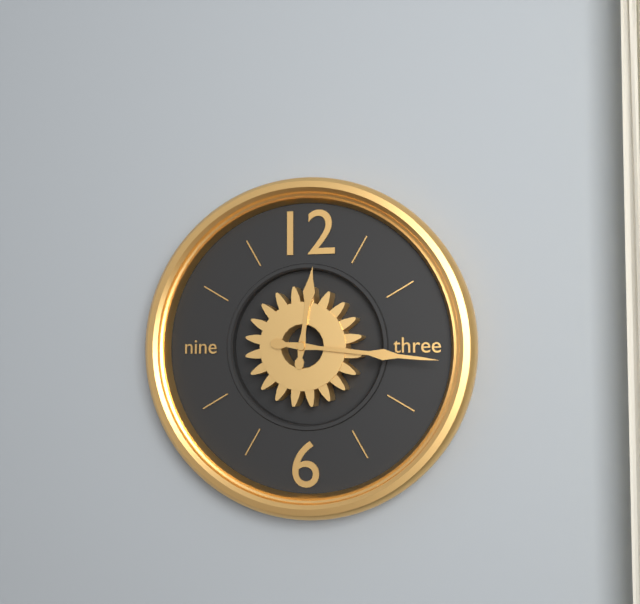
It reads {"hour": 12, "minute": 16}
